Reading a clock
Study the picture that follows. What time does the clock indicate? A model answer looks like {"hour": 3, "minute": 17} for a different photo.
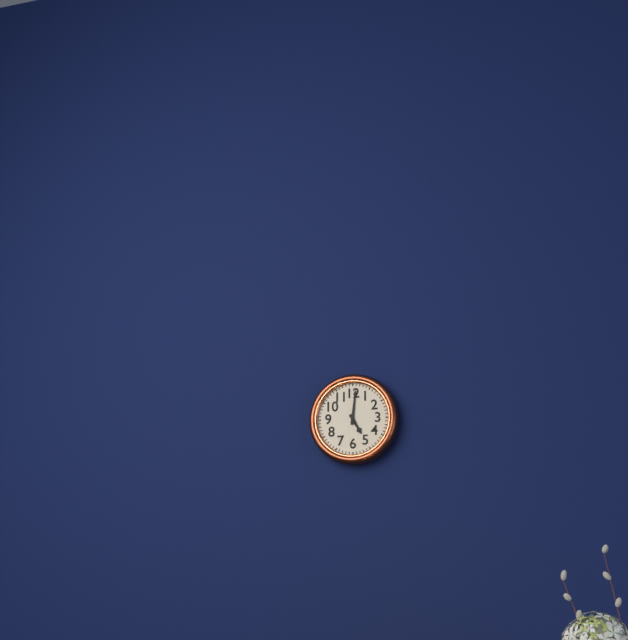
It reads {"hour": 5, "minute": 1}
